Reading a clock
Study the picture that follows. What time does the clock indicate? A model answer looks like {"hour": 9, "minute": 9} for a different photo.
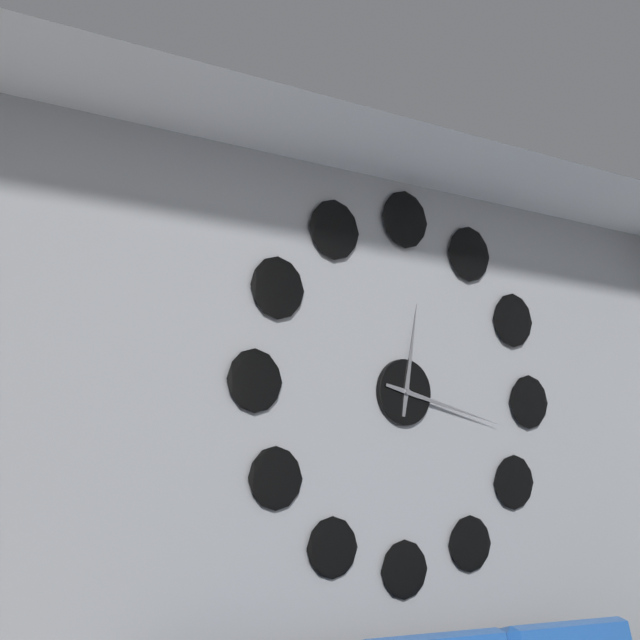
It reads {"hour": 12, "minute": 17}
